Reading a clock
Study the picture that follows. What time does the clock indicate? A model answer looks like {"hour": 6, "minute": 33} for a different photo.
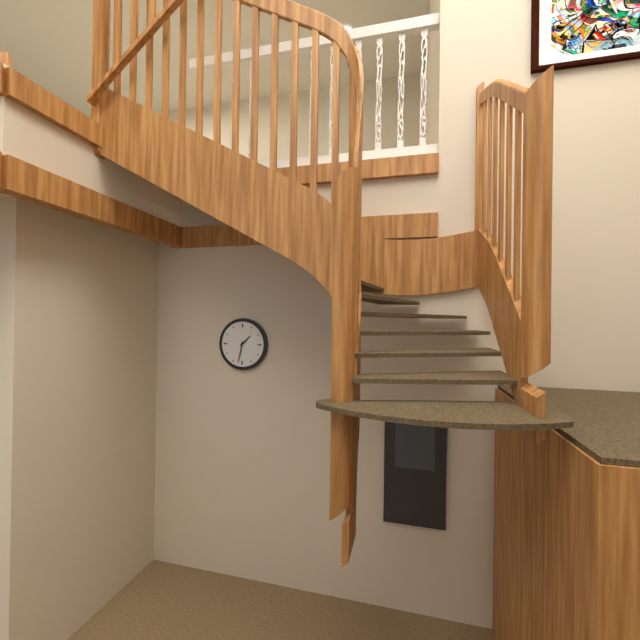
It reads {"hour": 1, "minute": 32}
